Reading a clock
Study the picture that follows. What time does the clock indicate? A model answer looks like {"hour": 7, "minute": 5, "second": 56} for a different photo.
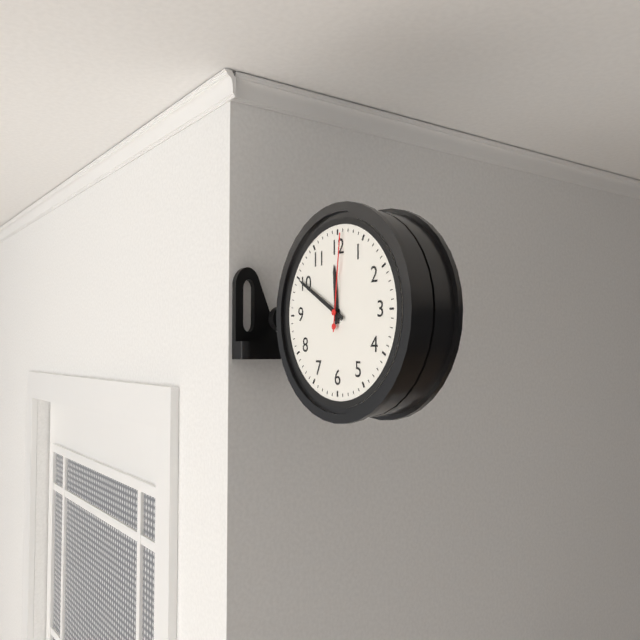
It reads {"hour": 11, "minute": 50, "second": 1}
